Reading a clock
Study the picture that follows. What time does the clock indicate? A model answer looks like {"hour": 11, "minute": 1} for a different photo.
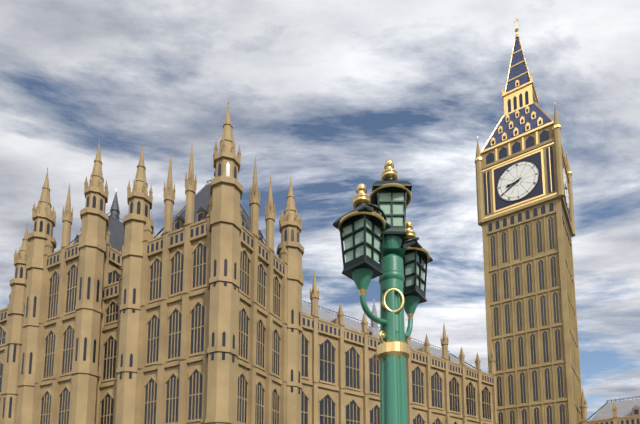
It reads {"hour": 8, "minute": 40}
